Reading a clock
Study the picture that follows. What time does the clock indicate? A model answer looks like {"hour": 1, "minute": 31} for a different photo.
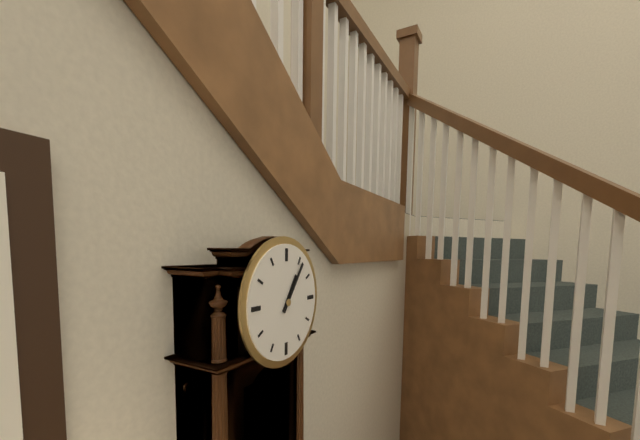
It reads {"hour": 1, "minute": 6}
